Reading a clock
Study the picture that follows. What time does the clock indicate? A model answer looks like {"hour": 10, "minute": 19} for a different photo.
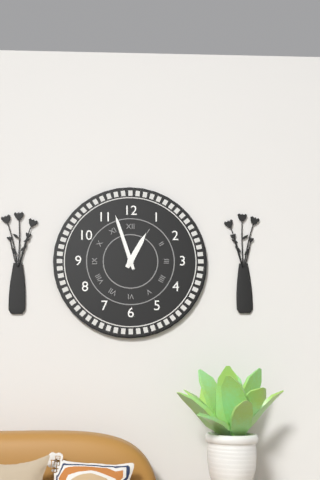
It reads {"hour": 12, "minute": 57}
